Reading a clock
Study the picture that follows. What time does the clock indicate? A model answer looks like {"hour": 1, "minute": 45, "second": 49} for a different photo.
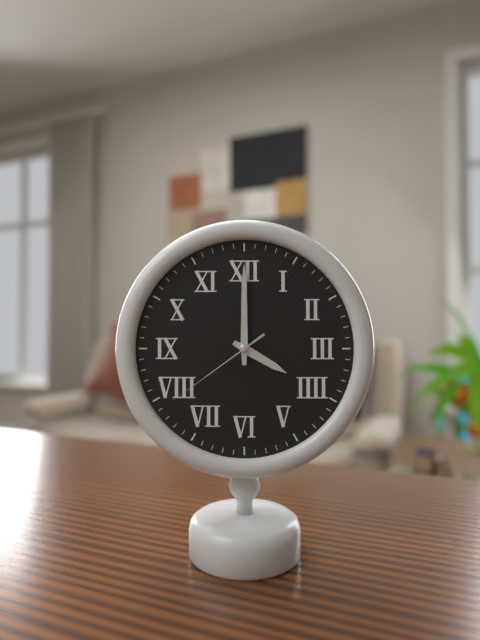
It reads {"hour": 4, "minute": 0, "second": 39}
